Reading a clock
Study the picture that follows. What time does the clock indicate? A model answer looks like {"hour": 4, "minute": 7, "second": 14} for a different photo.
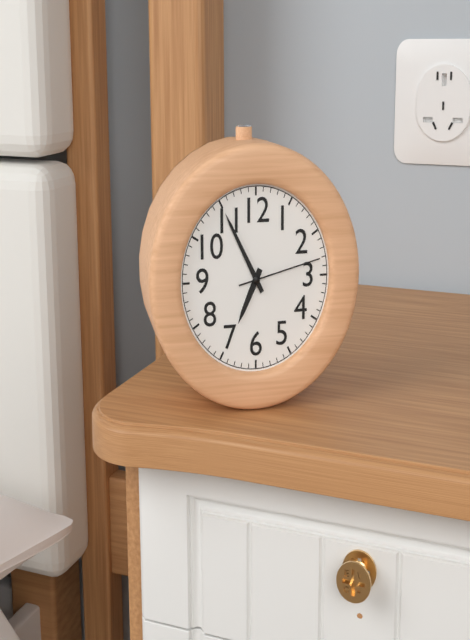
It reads {"hour": 6, "minute": 55, "second": 13}
